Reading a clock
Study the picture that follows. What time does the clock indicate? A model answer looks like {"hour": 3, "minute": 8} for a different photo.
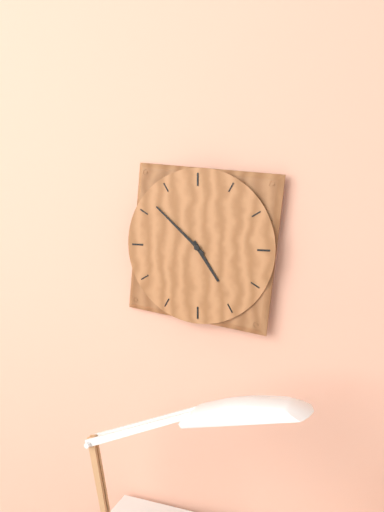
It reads {"hour": 4, "minute": 52}
